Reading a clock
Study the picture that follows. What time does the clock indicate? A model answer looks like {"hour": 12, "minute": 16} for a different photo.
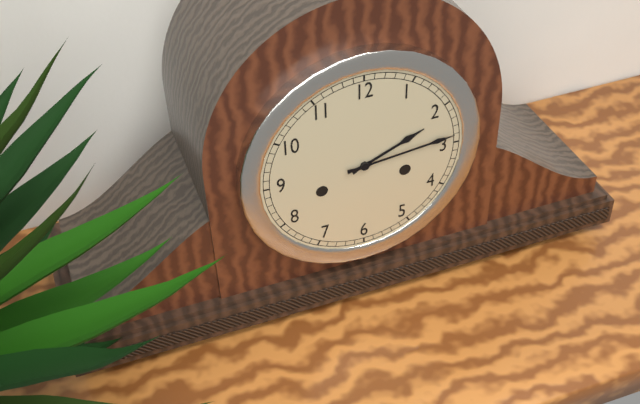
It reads {"hour": 2, "minute": 14}
